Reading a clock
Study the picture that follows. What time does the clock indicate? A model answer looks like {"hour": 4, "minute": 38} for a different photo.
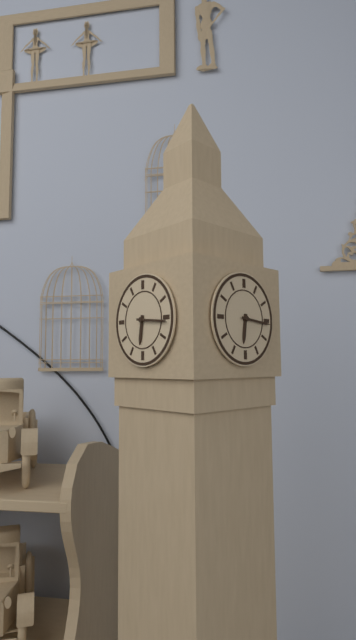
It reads {"hour": 6, "minute": 16}
